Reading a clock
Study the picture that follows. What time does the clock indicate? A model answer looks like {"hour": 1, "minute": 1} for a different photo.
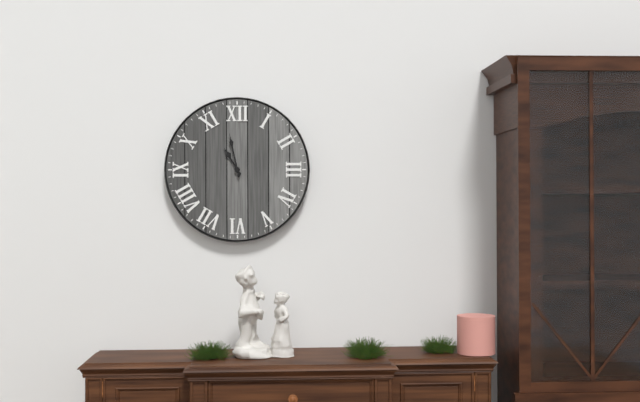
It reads {"hour": 10, "minute": 58}
